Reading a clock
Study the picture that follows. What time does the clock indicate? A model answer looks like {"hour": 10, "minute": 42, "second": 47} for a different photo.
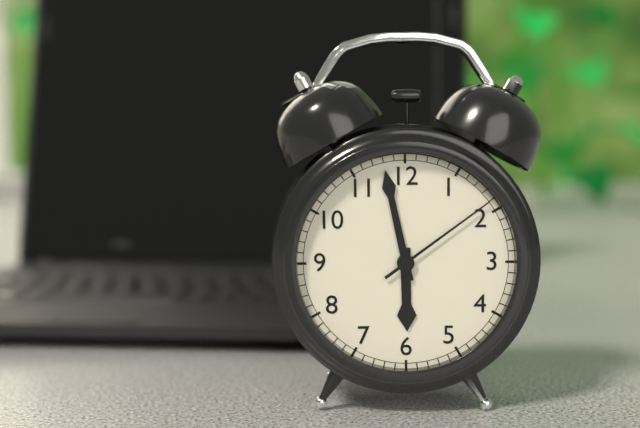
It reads {"hour": 5, "minute": 58, "second": 9}
